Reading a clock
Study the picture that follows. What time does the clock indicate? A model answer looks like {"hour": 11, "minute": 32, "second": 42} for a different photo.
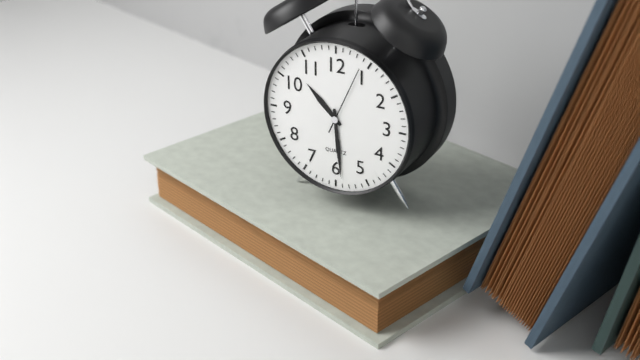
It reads {"hour": 10, "minute": 29, "second": 4}
